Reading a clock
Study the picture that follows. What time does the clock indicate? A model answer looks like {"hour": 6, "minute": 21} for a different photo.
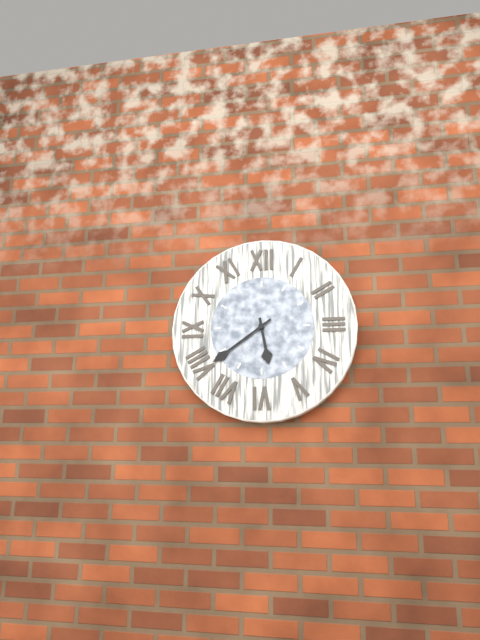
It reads {"hour": 5, "minute": 39}
